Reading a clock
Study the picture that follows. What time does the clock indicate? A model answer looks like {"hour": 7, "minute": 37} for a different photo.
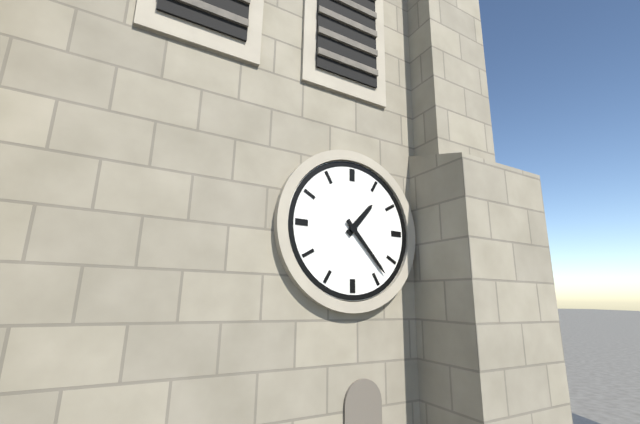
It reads {"hour": 1, "minute": 23}
